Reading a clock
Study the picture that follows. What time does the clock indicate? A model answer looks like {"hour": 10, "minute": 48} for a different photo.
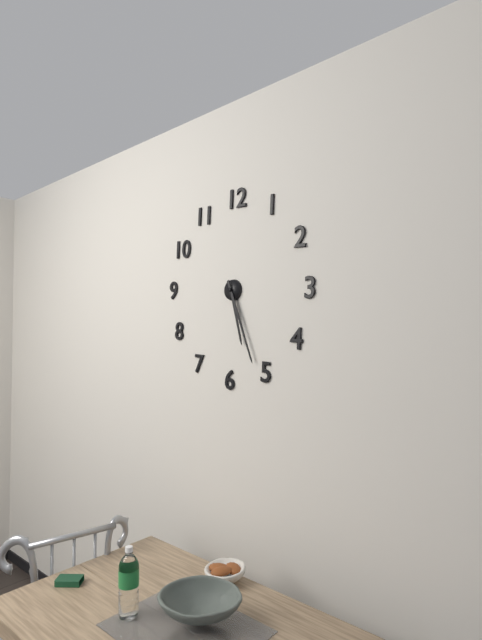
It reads {"hour": 5, "minute": 26}
